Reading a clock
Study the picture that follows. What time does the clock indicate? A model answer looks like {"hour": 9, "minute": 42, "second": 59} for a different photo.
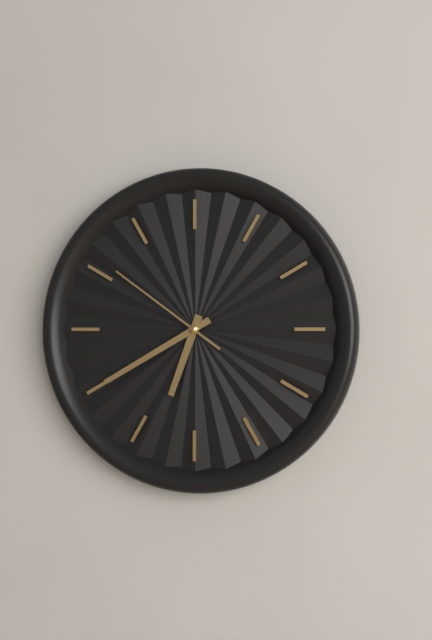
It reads {"hour": 6, "minute": 40, "second": 51}
